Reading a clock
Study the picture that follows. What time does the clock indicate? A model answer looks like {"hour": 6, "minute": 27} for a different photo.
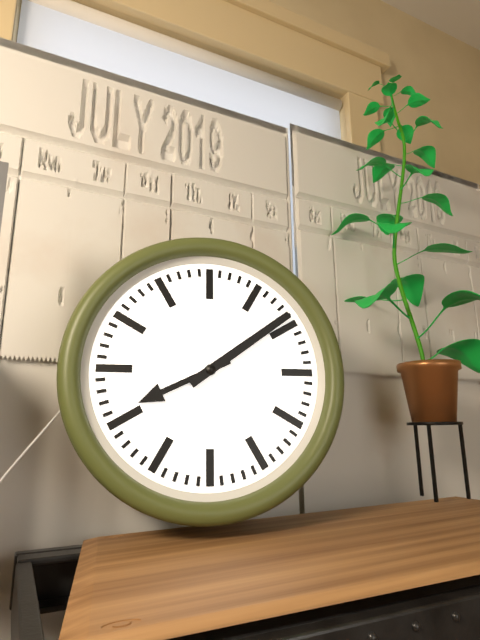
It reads {"hour": 8, "minute": 9}
